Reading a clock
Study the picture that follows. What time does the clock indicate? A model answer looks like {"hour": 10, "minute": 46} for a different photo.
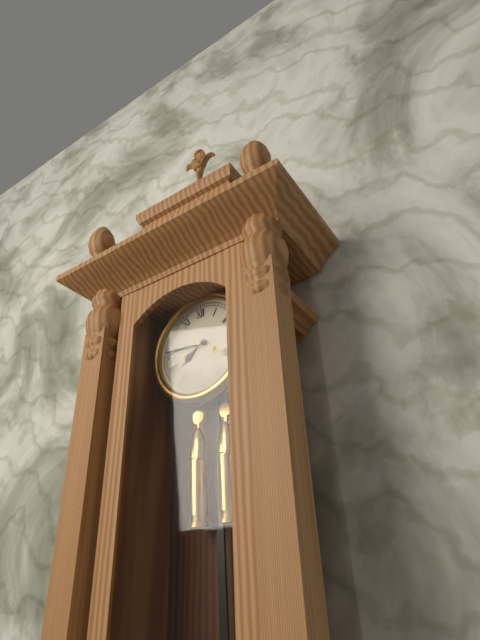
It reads {"hour": 7, "minute": 46}
